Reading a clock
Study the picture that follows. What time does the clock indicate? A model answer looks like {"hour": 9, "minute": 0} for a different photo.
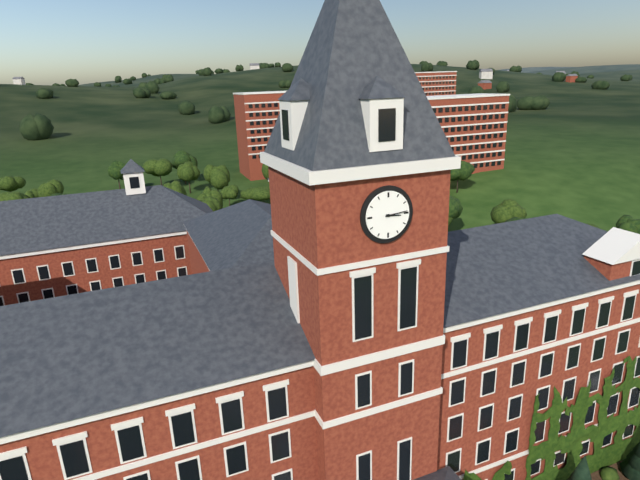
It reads {"hour": 3, "minute": 14}
